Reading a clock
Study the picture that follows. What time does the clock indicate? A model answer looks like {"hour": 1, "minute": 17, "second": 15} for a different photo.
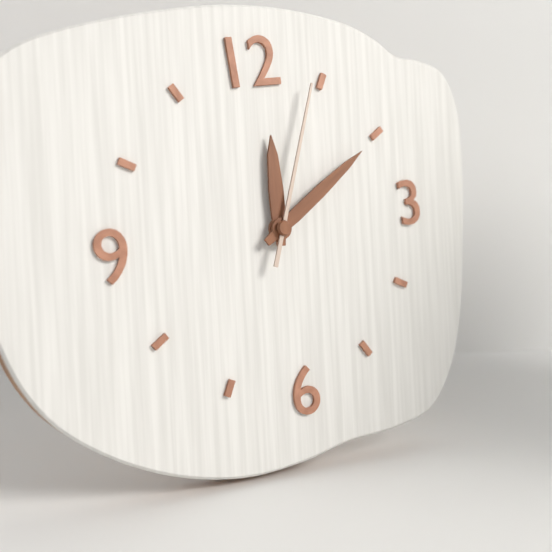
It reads {"hour": 12, "minute": 10, "second": 4}
